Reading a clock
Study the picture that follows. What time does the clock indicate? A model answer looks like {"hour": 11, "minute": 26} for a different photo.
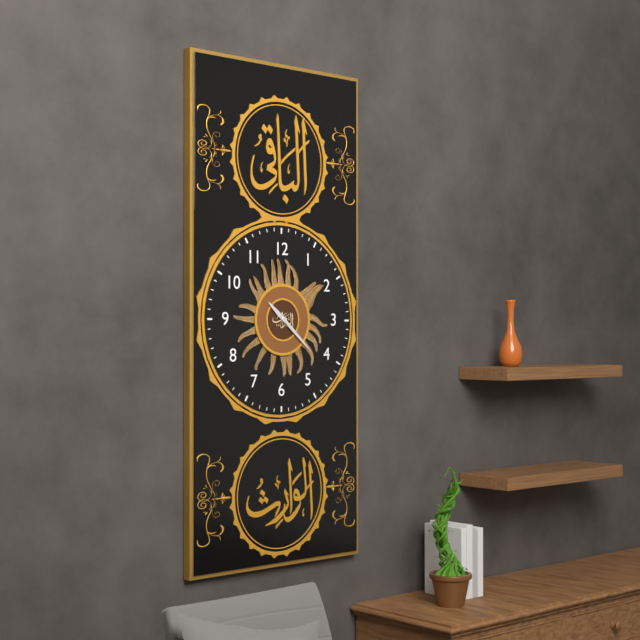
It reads {"hour": 10, "minute": 22}
